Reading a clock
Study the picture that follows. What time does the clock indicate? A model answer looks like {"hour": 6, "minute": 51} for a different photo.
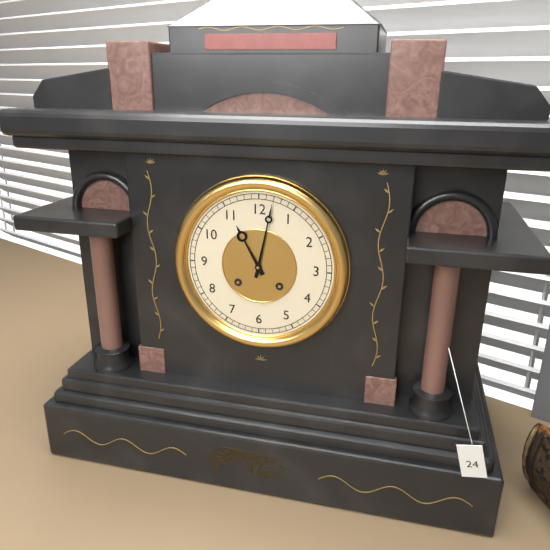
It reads {"hour": 11, "minute": 2}
